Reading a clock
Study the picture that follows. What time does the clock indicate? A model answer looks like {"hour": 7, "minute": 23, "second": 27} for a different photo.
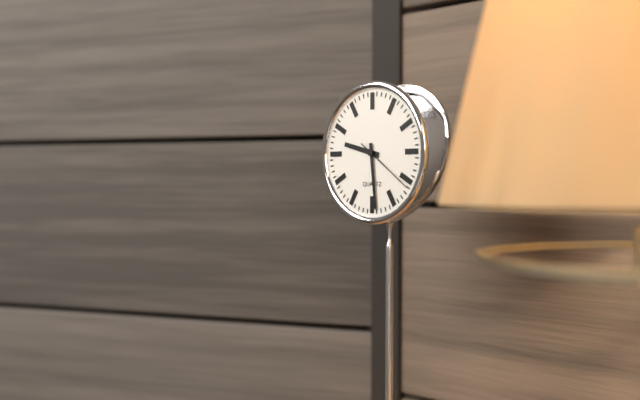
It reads {"hour": 9, "minute": 29, "second": 21}
